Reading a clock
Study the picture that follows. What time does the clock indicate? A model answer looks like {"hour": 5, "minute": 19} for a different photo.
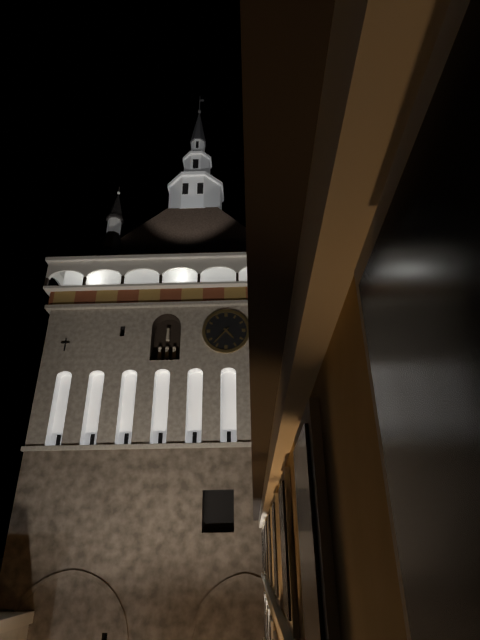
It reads {"hour": 4, "minute": 37}
